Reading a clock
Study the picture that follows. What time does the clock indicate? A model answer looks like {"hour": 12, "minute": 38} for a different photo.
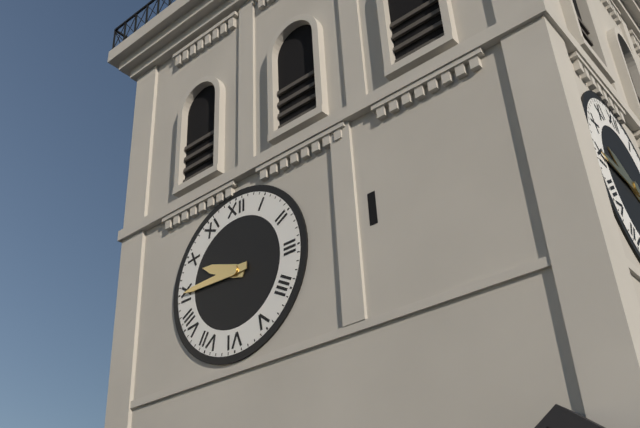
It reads {"hour": 9, "minute": 45}
